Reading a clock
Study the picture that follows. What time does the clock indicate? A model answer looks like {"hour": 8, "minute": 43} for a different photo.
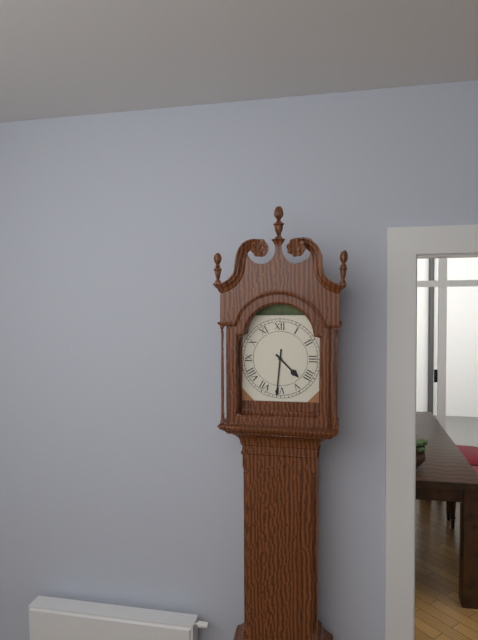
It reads {"hour": 4, "minute": 31}
